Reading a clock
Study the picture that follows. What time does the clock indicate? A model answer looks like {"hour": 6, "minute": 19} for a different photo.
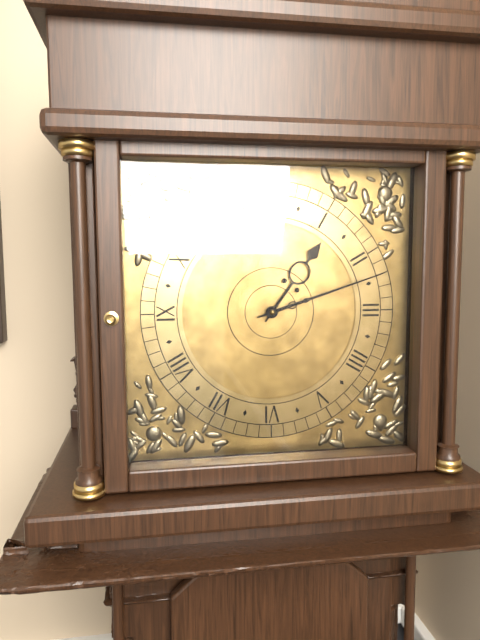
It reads {"hour": 1, "minute": 12}
